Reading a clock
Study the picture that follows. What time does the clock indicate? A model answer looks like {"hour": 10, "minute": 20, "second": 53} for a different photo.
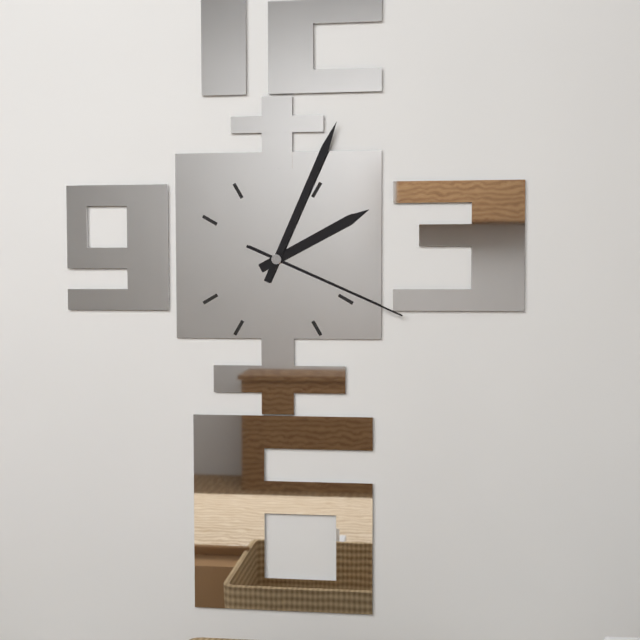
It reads {"hour": 2, "minute": 4, "second": 19}
